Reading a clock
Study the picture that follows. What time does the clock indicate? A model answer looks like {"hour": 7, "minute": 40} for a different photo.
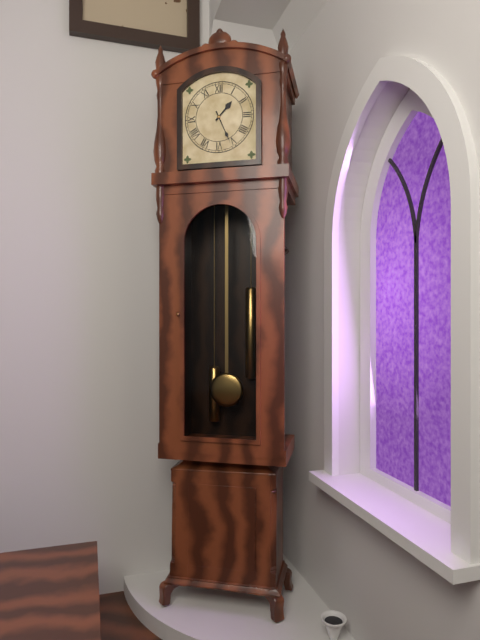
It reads {"hour": 1, "minute": 26}
